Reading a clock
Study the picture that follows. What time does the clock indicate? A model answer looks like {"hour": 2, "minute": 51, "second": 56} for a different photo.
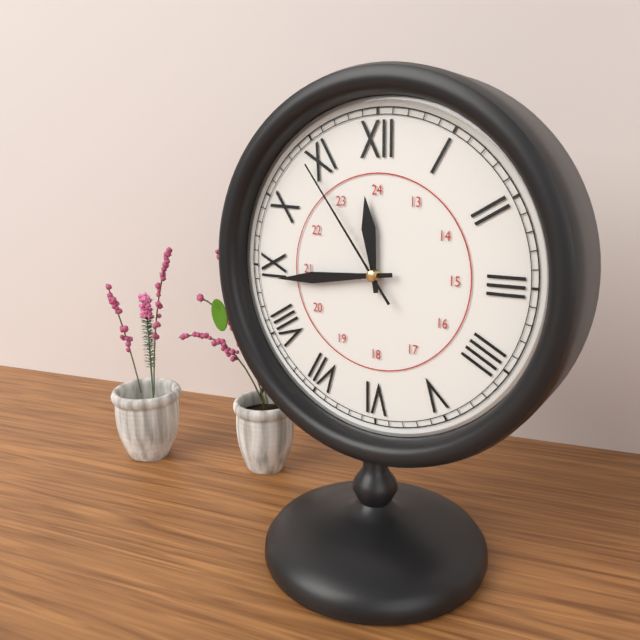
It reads {"hour": 11, "minute": 44, "second": 54}
